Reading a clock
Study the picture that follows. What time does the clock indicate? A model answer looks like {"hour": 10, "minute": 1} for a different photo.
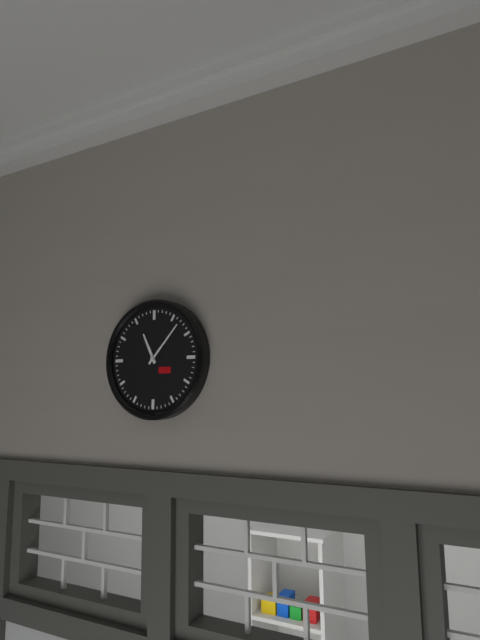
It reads {"hour": 11, "minute": 7}
